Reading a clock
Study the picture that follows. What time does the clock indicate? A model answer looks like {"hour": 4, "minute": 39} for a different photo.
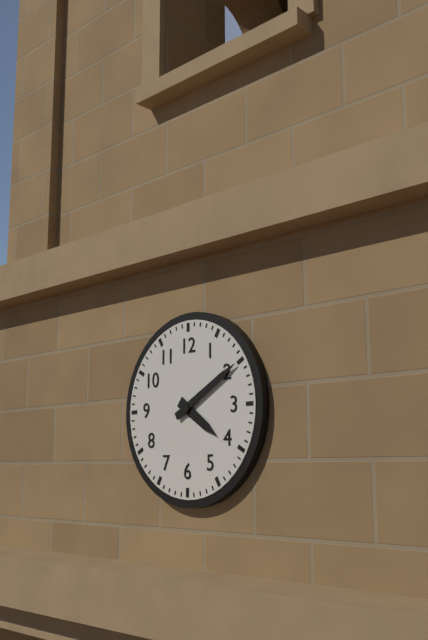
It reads {"hour": 4, "minute": 10}
